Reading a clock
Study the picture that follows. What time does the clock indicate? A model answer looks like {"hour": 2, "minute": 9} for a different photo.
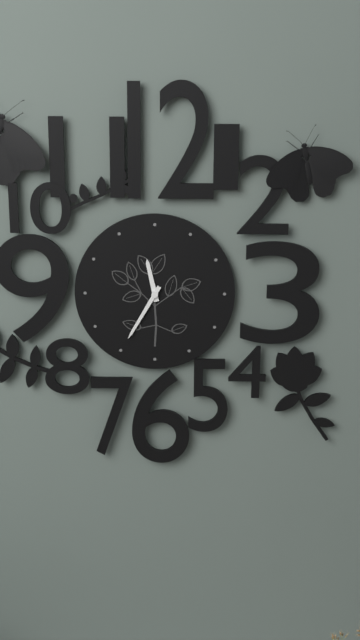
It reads {"hour": 11, "minute": 35}
